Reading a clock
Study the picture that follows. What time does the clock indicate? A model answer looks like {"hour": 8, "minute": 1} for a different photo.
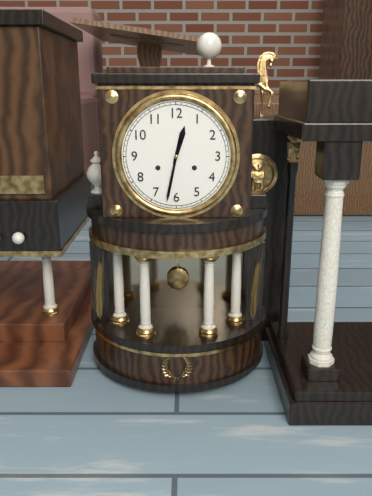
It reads {"hour": 12, "minute": 32}
